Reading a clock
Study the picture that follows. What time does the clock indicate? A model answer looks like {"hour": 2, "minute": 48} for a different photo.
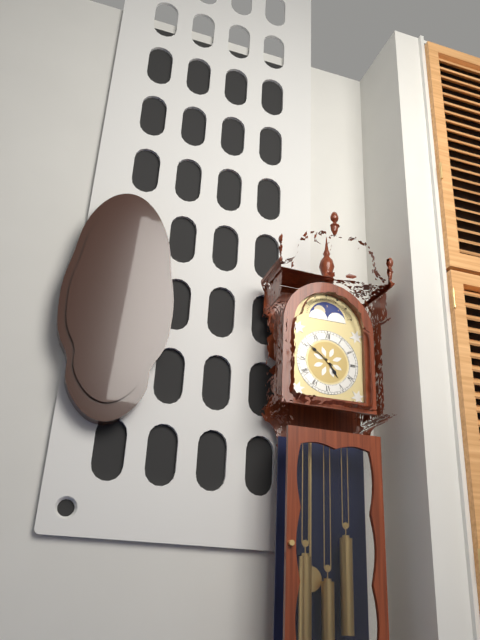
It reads {"hour": 4, "minute": 51}
